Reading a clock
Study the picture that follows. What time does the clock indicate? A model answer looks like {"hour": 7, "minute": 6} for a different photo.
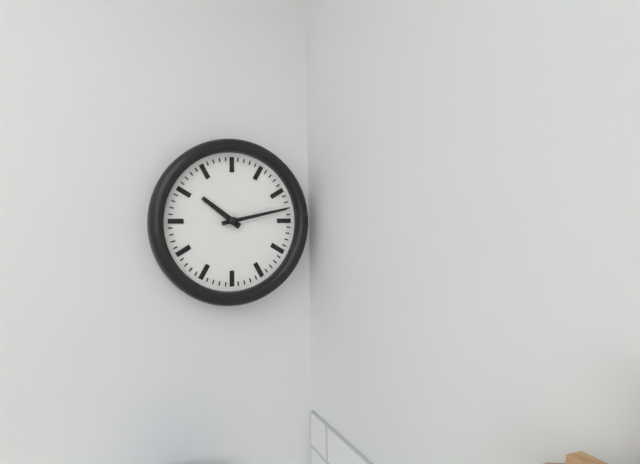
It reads {"hour": 10, "minute": 13}
